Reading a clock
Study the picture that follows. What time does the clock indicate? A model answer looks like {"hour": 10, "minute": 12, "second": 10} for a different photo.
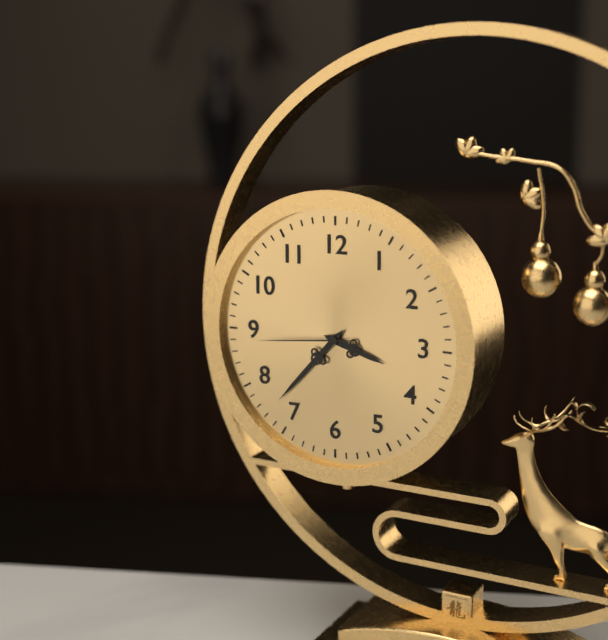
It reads {"hour": 3, "minute": 37, "second": 44}
